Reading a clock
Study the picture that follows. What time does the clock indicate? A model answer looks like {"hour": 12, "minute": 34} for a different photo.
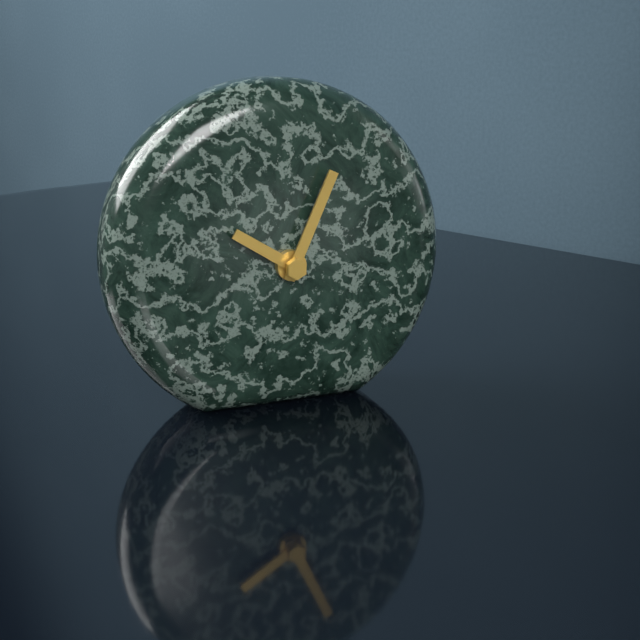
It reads {"hour": 10, "minute": 4}
